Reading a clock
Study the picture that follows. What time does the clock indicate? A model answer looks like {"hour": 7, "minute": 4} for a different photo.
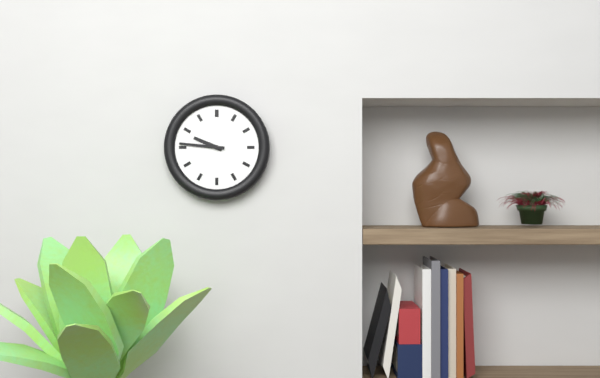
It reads {"hour": 9, "minute": 46}
